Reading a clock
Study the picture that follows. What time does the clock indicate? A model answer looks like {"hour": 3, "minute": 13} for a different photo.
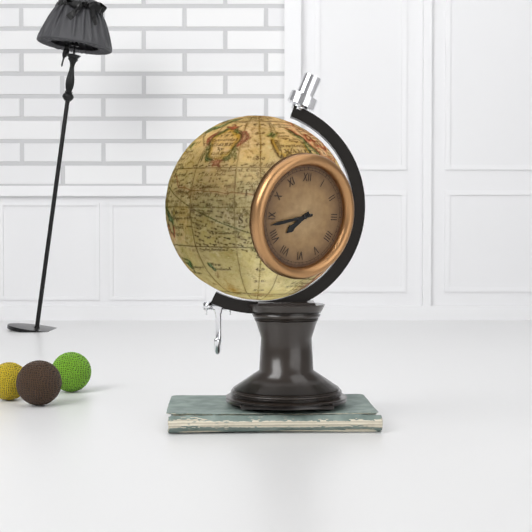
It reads {"hour": 7, "minute": 43}
